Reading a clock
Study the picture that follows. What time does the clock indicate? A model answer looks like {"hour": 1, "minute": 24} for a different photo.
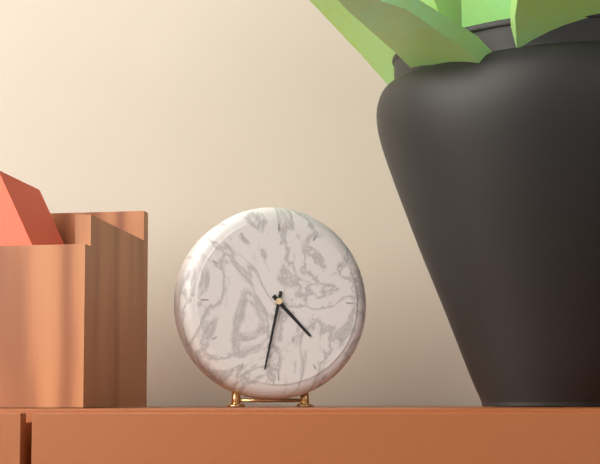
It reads {"hour": 4, "minute": 32}
